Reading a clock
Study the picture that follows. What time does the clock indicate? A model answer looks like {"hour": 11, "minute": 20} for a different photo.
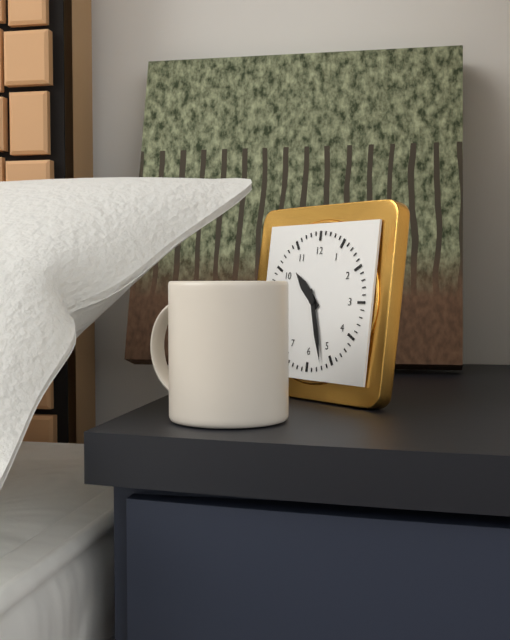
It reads {"hour": 10, "minute": 27}
